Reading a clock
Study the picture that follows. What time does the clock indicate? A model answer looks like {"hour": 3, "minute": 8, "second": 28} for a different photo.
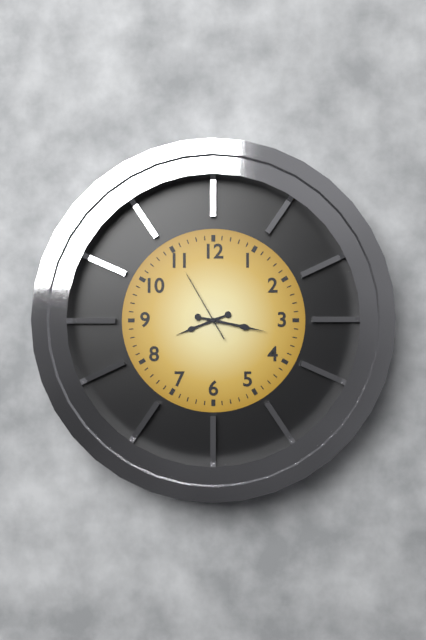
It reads {"hour": 8, "minute": 17, "second": 55}
